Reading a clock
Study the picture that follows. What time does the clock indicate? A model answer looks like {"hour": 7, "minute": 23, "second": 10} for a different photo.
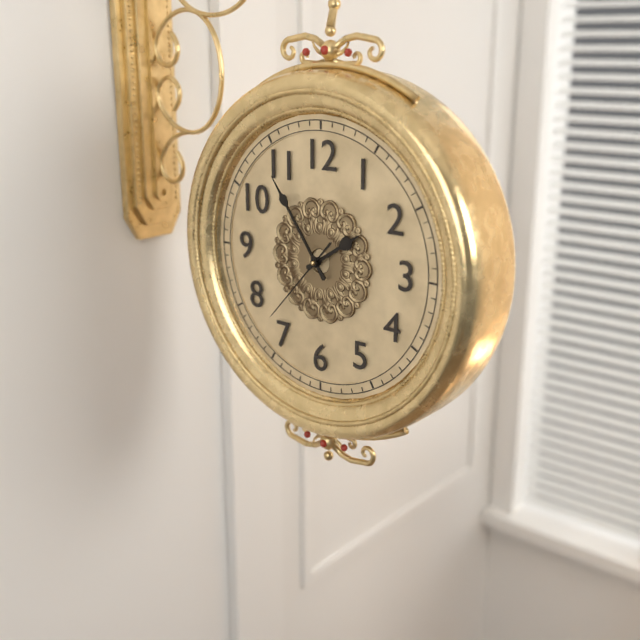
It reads {"hour": 1, "minute": 54, "second": 37}
